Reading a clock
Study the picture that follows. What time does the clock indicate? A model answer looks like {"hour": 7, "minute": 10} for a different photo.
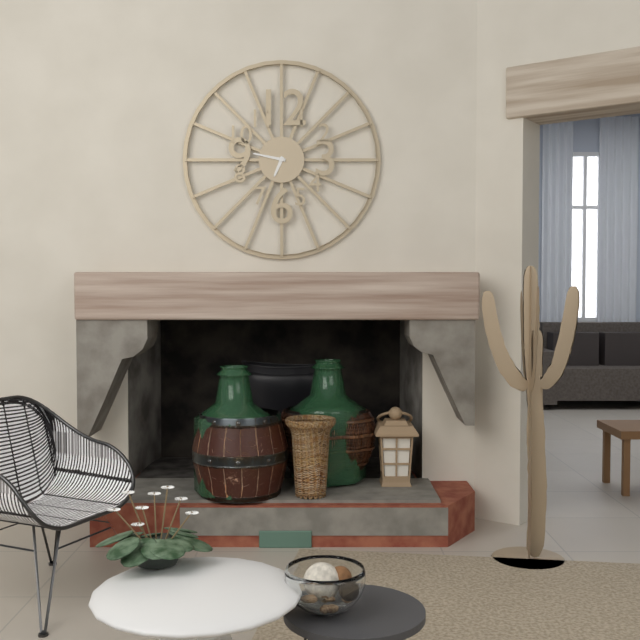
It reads {"hour": 6, "minute": 47}
